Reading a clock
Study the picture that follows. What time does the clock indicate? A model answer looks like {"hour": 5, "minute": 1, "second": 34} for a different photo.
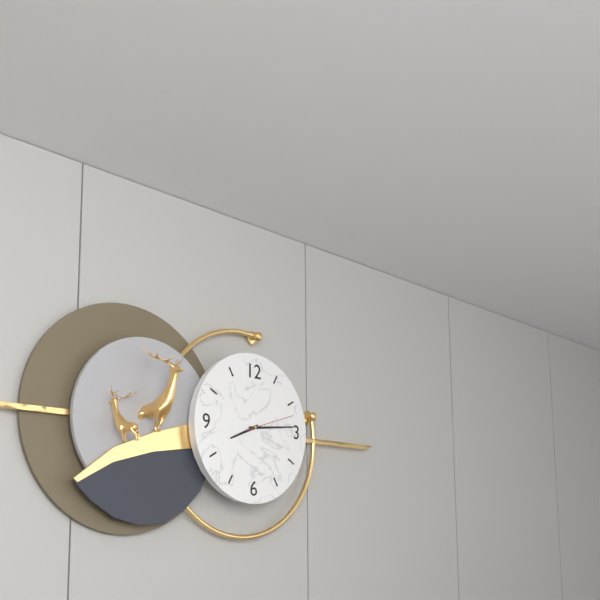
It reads {"hour": 8, "minute": 14, "second": 12}
